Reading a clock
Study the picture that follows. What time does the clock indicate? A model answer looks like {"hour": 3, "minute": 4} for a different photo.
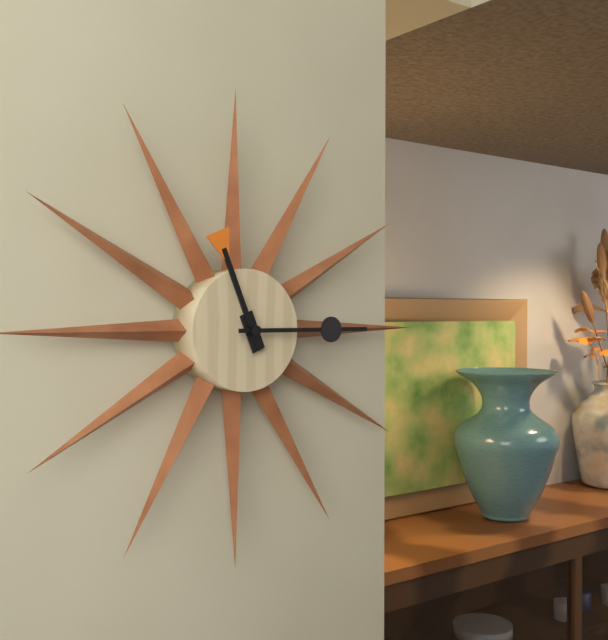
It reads {"hour": 11, "minute": 15}
